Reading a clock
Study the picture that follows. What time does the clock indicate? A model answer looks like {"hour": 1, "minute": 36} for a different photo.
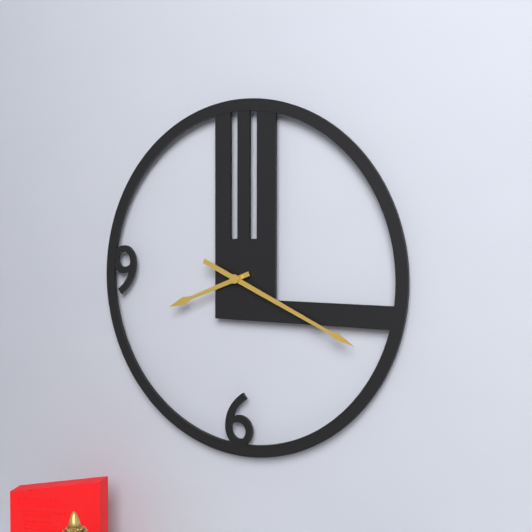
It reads {"hour": 8, "minute": 19}
